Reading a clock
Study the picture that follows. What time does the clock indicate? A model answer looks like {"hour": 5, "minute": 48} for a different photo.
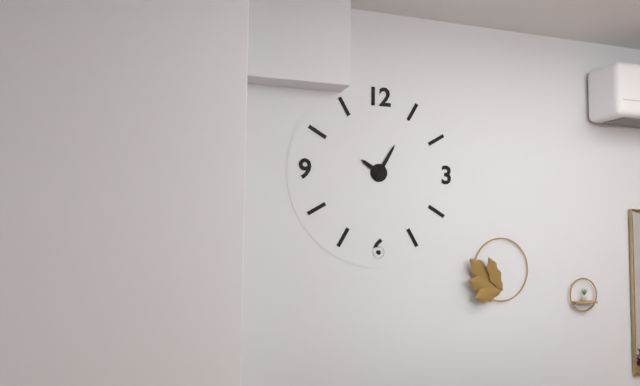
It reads {"hour": 10, "minute": 5}
